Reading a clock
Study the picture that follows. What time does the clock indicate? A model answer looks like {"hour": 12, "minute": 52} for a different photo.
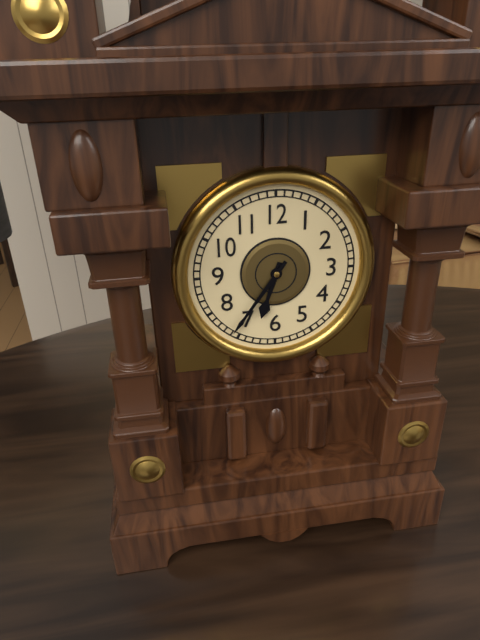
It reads {"hour": 6, "minute": 36}
